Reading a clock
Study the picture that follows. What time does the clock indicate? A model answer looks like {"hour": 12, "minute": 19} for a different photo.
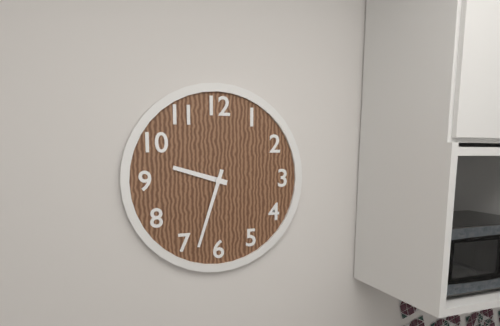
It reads {"hour": 9, "minute": 33}
